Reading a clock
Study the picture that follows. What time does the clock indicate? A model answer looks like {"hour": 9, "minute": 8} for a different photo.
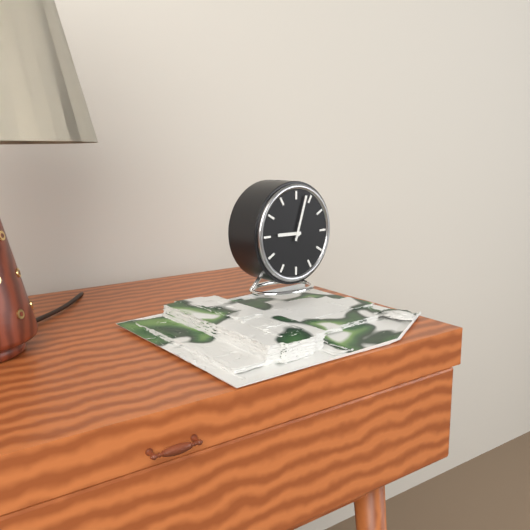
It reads {"hour": 9, "minute": 3}
